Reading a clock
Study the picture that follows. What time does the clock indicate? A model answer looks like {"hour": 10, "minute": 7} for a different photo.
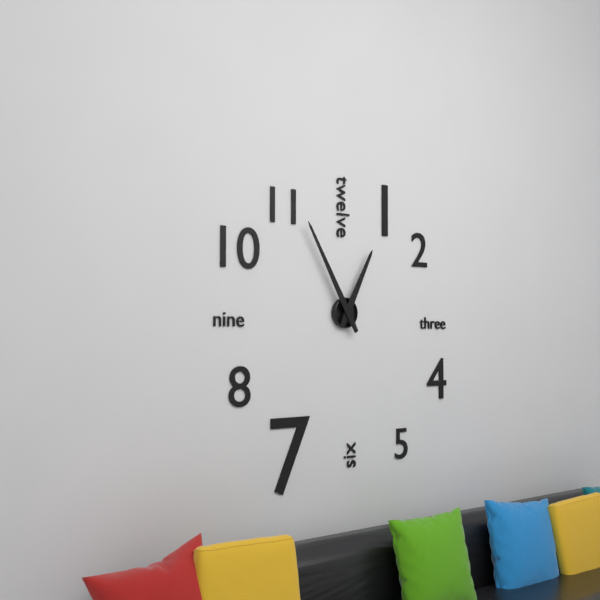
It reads {"hour": 12, "minute": 55}
